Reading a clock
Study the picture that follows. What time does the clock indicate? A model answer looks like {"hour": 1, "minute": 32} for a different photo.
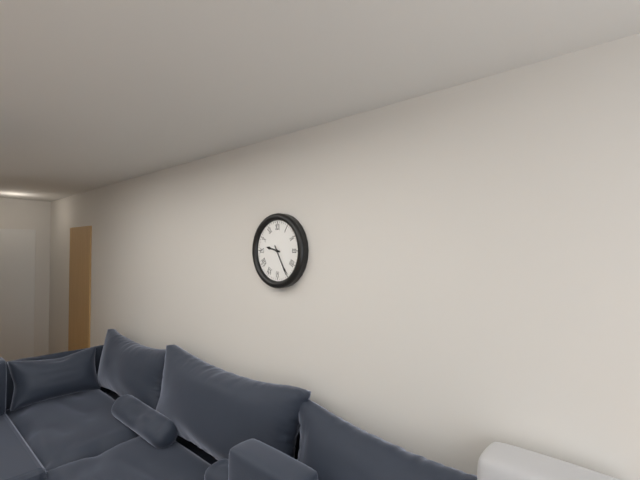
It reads {"hour": 9, "minute": 25}
